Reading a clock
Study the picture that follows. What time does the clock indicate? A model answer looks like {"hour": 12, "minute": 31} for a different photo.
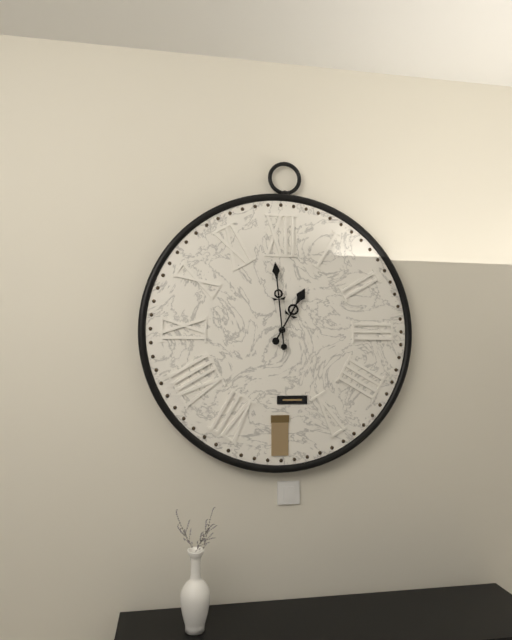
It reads {"hour": 12, "minute": 59}
